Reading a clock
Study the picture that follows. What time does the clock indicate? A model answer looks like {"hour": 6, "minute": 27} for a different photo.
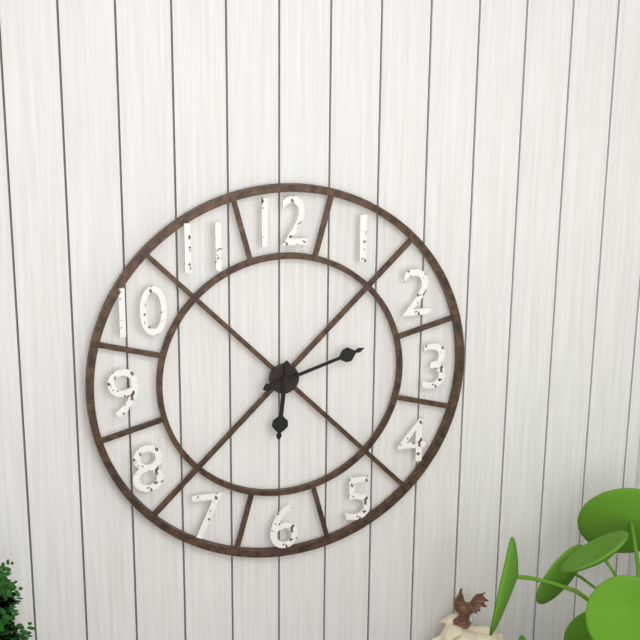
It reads {"hour": 6, "minute": 12}
